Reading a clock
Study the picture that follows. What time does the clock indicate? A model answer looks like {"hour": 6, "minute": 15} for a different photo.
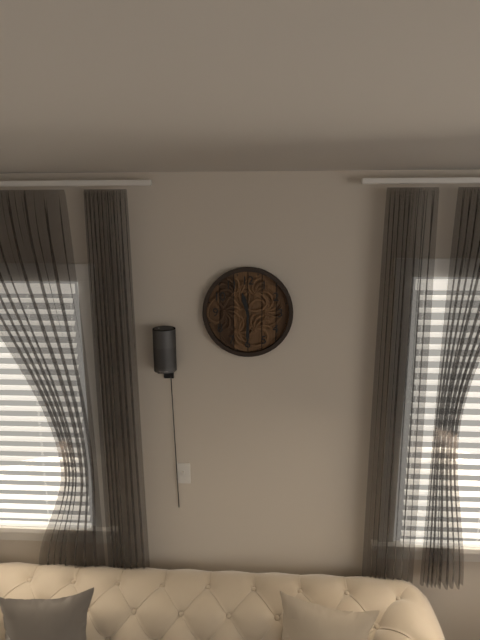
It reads {"hour": 11, "minute": 30}
